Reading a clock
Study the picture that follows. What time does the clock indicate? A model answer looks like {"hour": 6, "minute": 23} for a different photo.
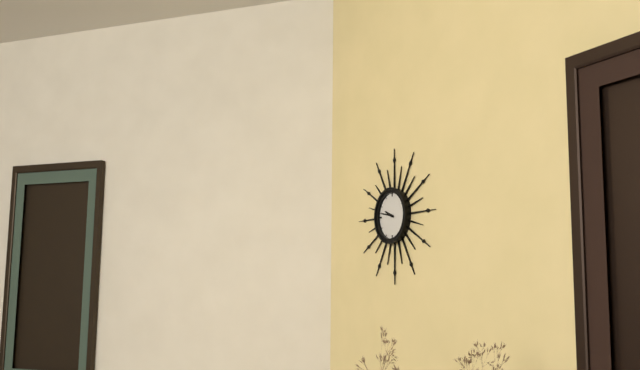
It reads {"hour": 9, "minute": 47}
